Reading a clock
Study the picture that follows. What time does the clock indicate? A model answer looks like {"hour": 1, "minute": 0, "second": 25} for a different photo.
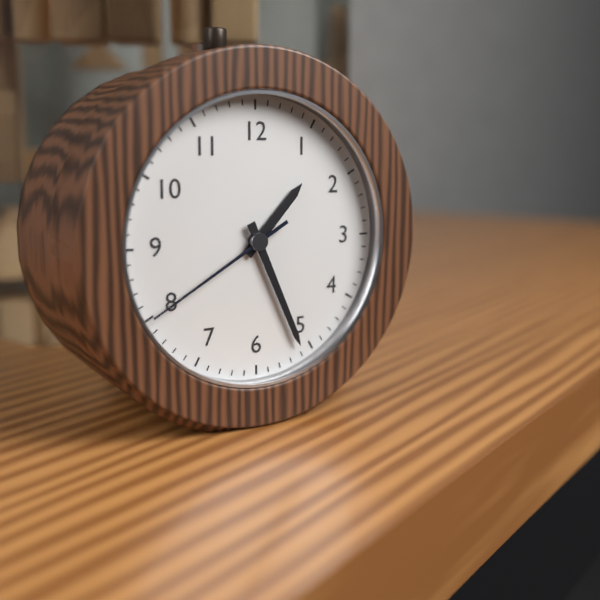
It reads {"hour": 1, "minute": 26, "second": 40}
